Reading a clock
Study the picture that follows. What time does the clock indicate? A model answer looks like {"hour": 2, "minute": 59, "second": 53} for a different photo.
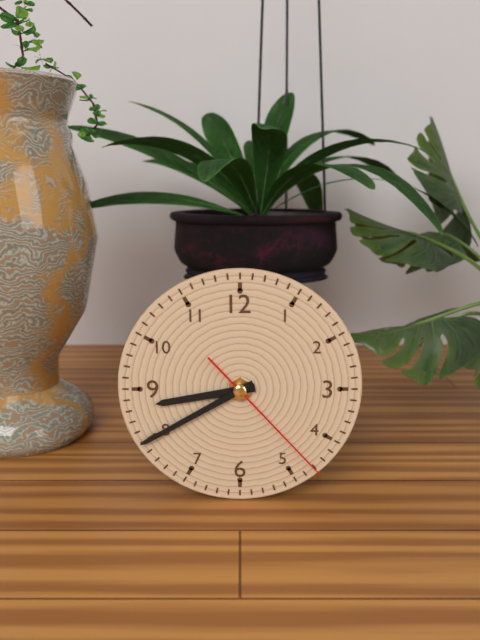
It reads {"hour": 8, "minute": 40, "second": 23}
